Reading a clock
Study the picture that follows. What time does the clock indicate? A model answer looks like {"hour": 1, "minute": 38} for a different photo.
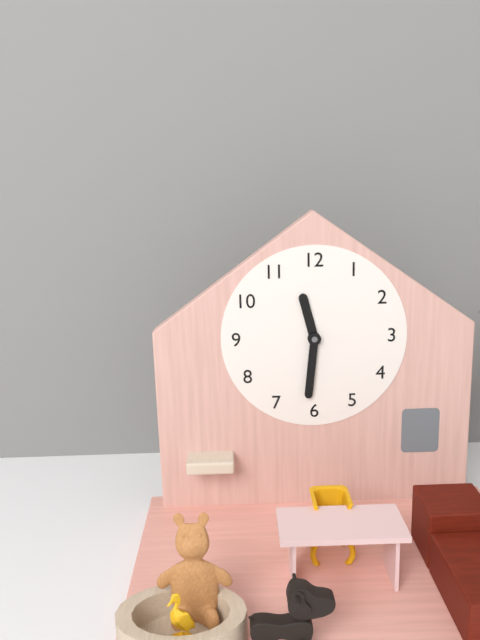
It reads {"hour": 11, "minute": 31}
